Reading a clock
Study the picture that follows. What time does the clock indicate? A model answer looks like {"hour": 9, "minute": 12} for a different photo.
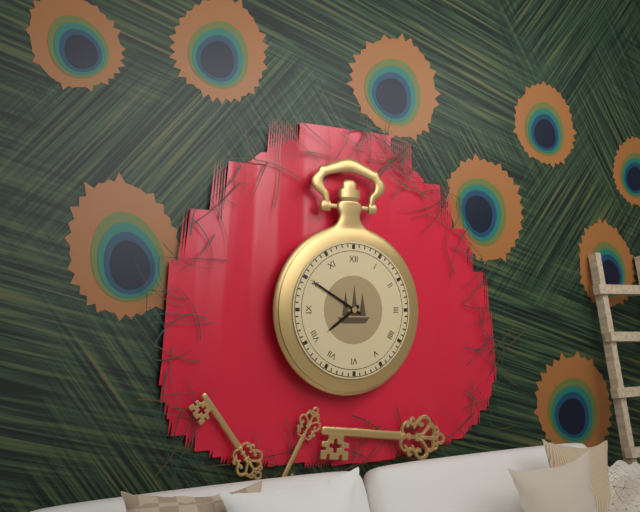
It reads {"hour": 7, "minute": 50}
